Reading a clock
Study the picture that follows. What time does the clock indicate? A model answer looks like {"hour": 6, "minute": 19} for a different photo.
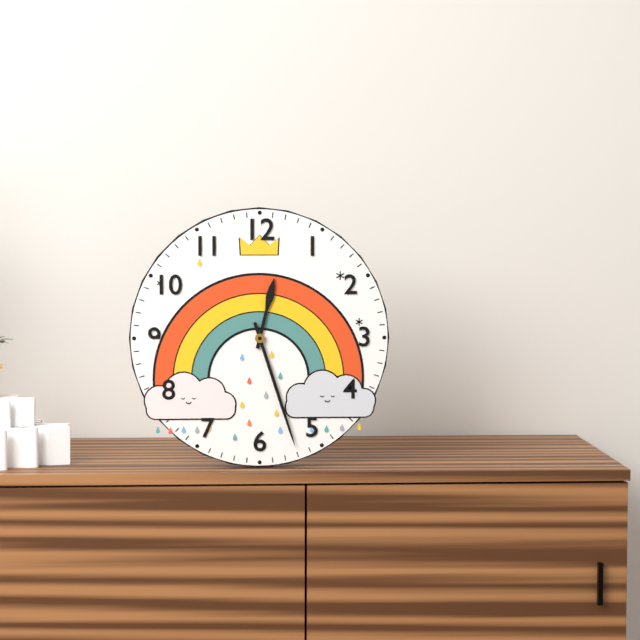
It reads {"hour": 12, "minute": 27}
